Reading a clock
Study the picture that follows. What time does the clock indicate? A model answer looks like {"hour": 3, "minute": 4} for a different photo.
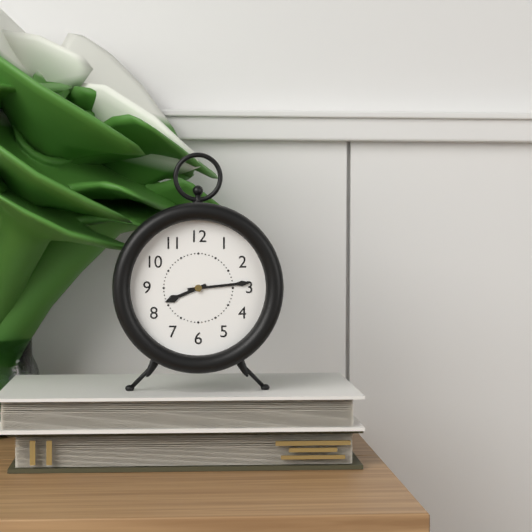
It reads {"hour": 8, "minute": 14}
